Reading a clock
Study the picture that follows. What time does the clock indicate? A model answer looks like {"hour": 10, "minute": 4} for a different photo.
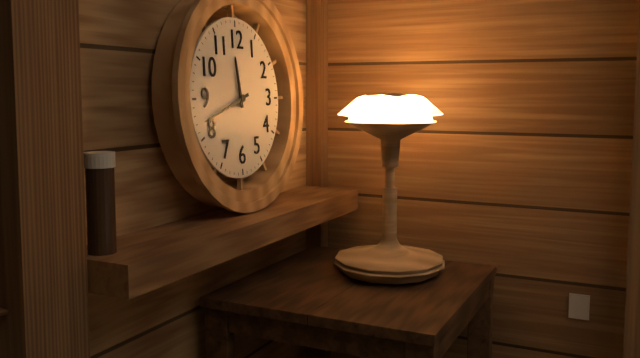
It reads {"hour": 11, "minute": 42}
